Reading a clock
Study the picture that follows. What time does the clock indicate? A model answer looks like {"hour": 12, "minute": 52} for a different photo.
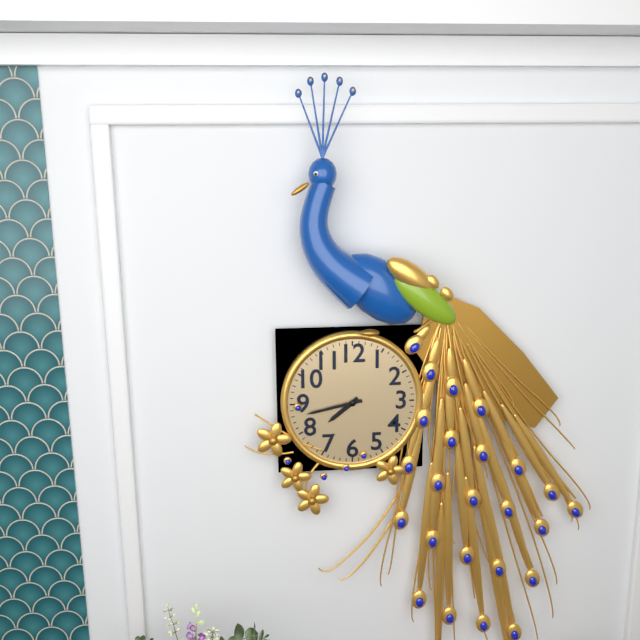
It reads {"hour": 7, "minute": 43}
